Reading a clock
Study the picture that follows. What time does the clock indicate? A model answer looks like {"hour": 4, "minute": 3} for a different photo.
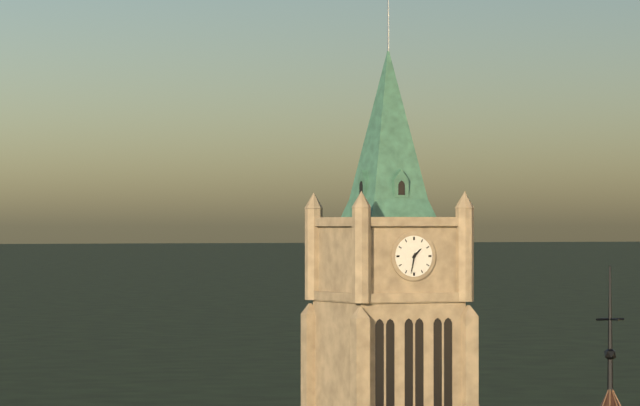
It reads {"hour": 1, "minute": 32}
